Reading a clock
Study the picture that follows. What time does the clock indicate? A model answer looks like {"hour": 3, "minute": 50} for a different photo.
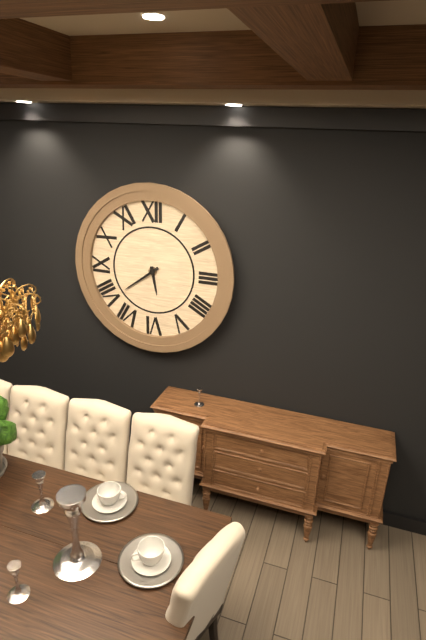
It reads {"hour": 5, "minute": 39}
